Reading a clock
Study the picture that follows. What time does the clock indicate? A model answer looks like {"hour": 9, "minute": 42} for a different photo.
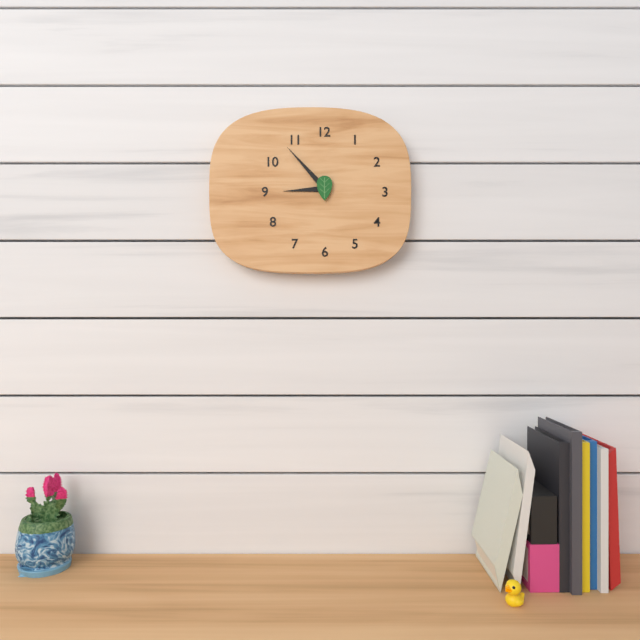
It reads {"hour": 8, "minute": 53}
